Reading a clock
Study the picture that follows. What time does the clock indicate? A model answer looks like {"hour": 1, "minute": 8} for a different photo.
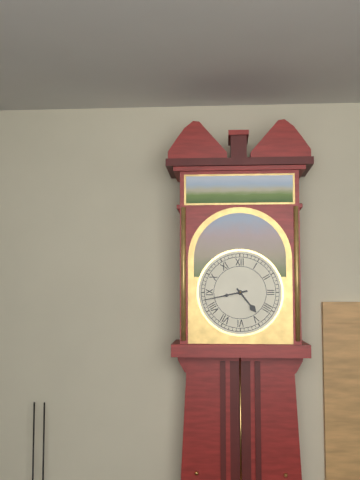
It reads {"hour": 4, "minute": 43}
